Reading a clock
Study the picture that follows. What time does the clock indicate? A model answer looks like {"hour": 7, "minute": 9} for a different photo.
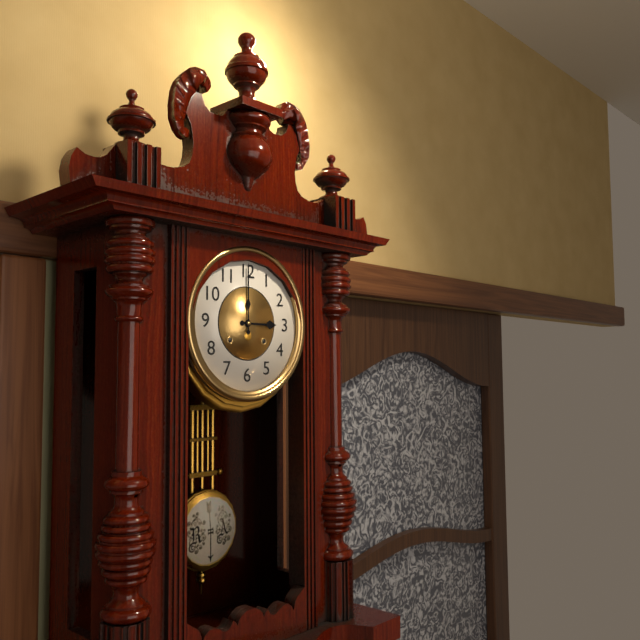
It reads {"hour": 3, "minute": 0}
